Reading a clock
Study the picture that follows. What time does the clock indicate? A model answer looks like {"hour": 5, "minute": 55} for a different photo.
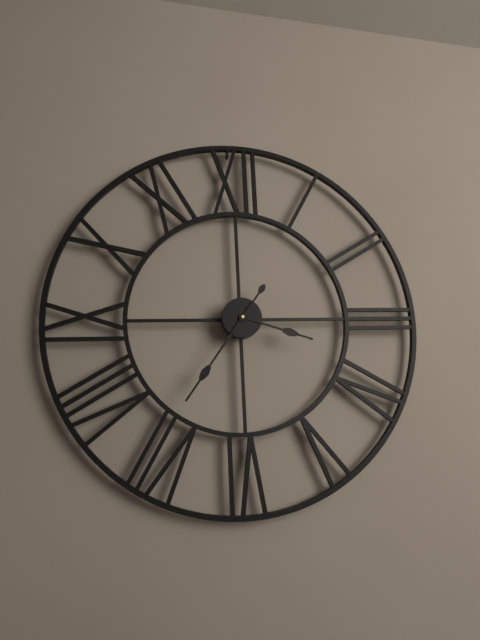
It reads {"hour": 3, "minute": 36}
